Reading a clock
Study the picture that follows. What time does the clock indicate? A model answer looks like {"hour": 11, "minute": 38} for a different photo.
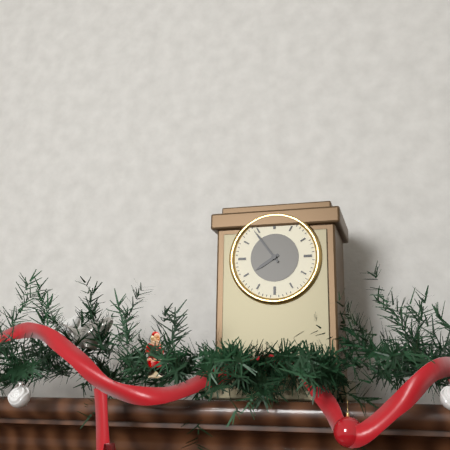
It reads {"hour": 7, "minute": 54}
